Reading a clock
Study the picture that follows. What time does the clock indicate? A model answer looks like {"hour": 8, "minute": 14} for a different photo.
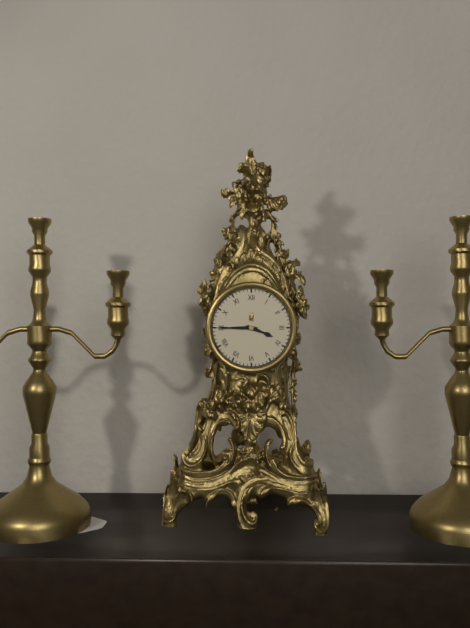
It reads {"hour": 3, "minute": 45}
